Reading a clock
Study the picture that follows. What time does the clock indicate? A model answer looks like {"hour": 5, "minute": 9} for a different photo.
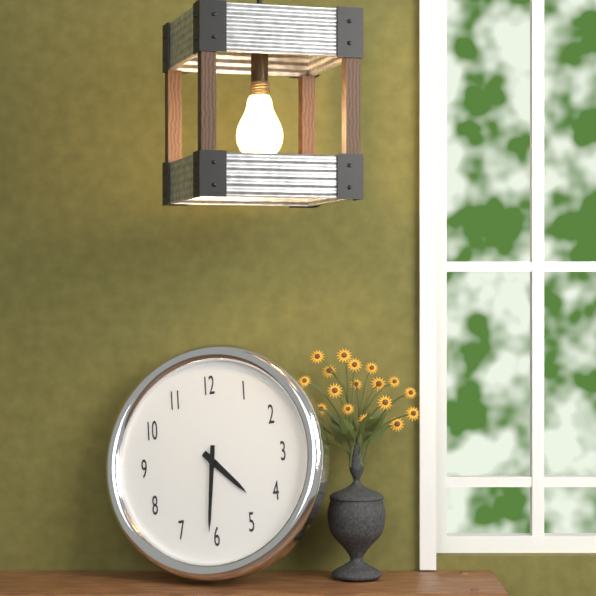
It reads {"hour": 4, "minute": 31}
